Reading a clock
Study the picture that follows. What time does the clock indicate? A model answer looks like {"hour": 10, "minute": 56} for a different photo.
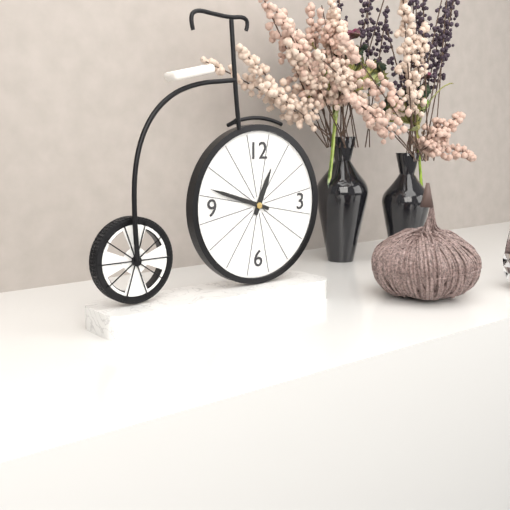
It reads {"hour": 12, "minute": 48}
